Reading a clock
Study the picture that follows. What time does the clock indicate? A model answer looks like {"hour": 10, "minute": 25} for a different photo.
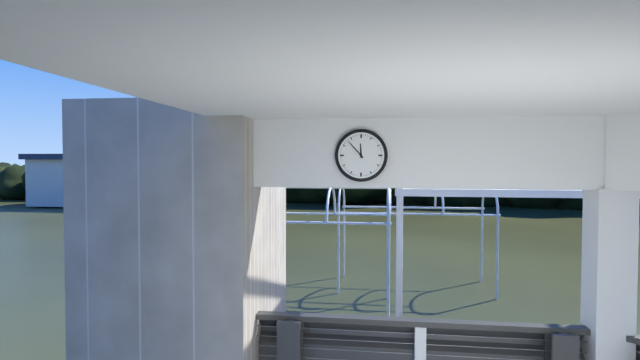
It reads {"hour": 11, "minute": 53}
